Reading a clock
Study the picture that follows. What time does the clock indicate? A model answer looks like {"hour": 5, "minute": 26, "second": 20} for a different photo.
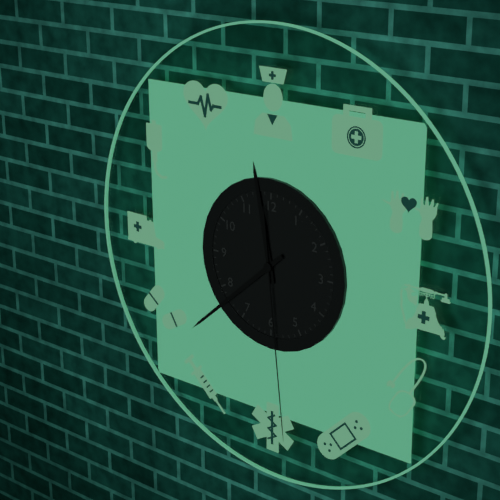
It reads {"hour": 11, "minute": 38, "second": 29}
